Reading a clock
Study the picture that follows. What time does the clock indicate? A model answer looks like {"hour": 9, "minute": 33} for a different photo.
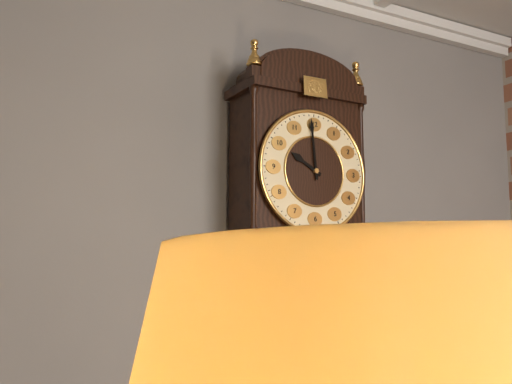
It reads {"hour": 9, "minute": 59}
